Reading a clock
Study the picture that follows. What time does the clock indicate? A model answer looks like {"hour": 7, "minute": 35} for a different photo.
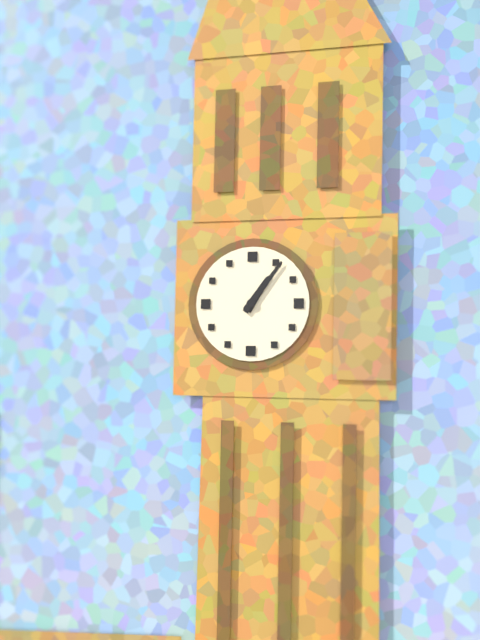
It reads {"hour": 1, "minute": 6}
